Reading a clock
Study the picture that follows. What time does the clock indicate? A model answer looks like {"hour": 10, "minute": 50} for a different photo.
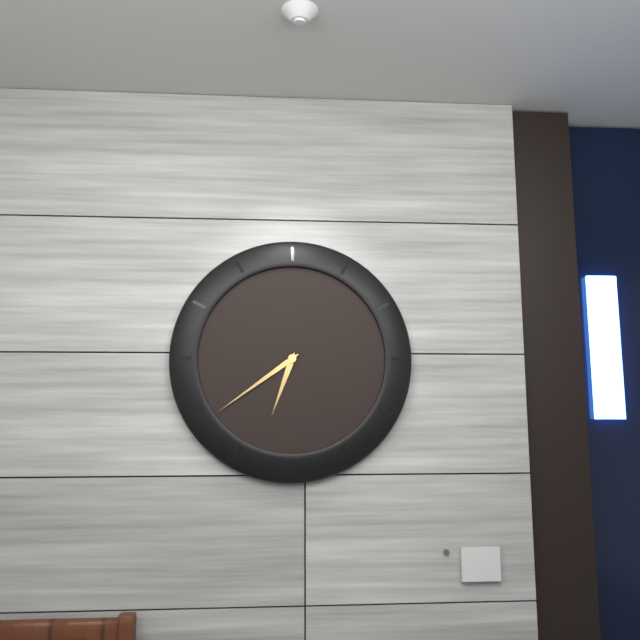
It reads {"hour": 6, "minute": 39}
